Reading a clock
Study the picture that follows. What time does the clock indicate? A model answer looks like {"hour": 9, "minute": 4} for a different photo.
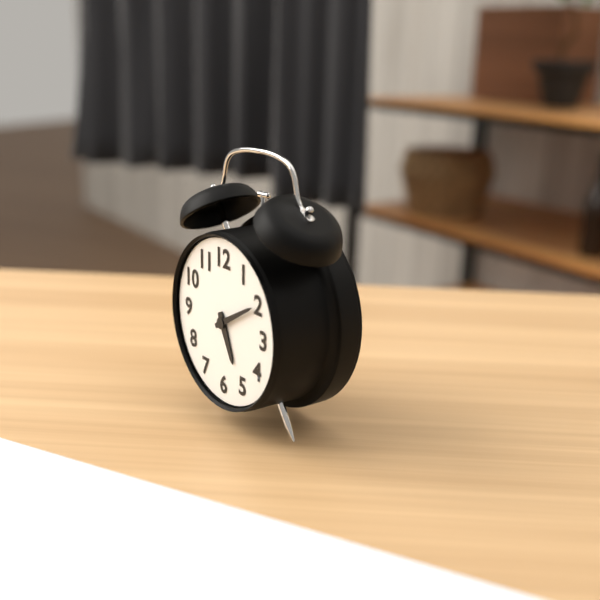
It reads {"hour": 5, "minute": 10}
